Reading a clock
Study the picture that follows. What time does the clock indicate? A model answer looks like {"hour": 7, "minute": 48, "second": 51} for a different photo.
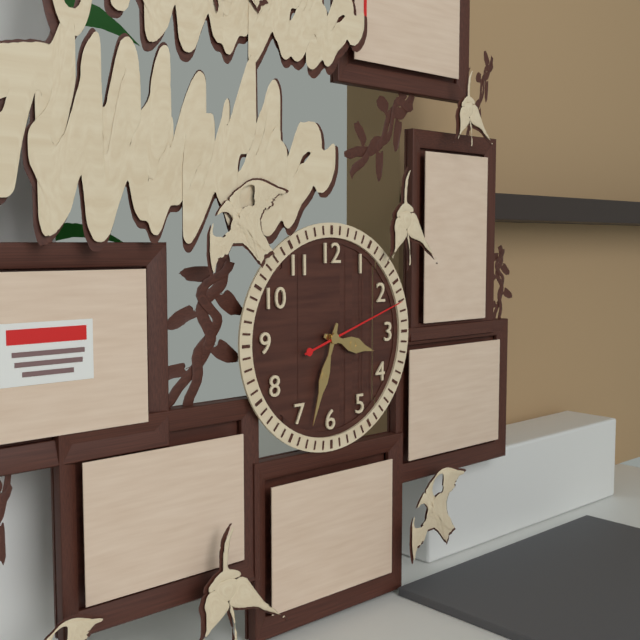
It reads {"hour": 3, "minute": 33, "second": 12}
